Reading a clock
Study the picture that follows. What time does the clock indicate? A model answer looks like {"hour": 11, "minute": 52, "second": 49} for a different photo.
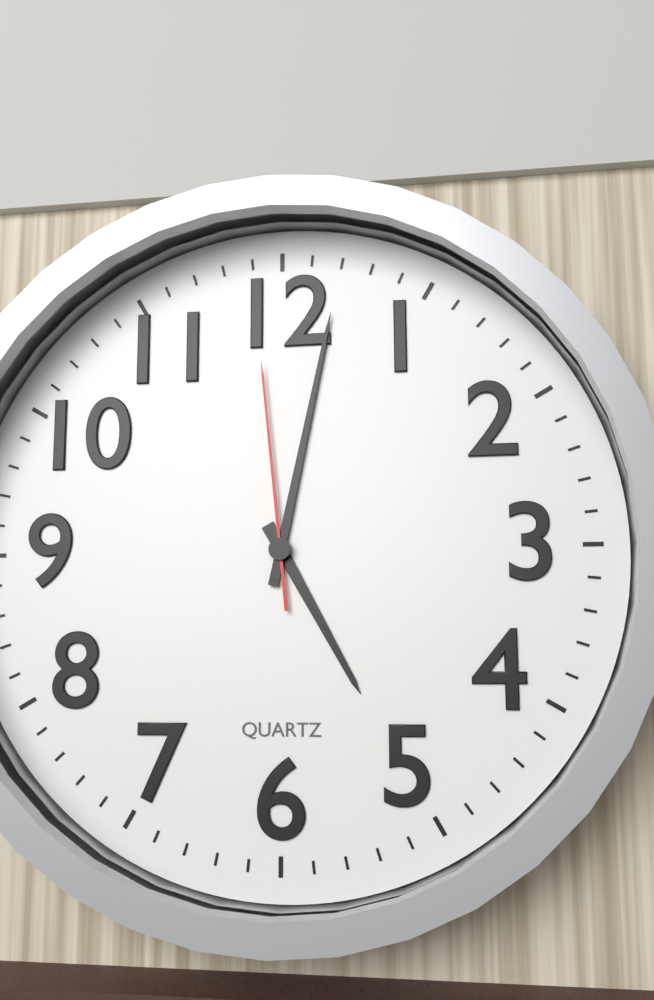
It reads {"hour": 5, "minute": 2, "second": 59}
